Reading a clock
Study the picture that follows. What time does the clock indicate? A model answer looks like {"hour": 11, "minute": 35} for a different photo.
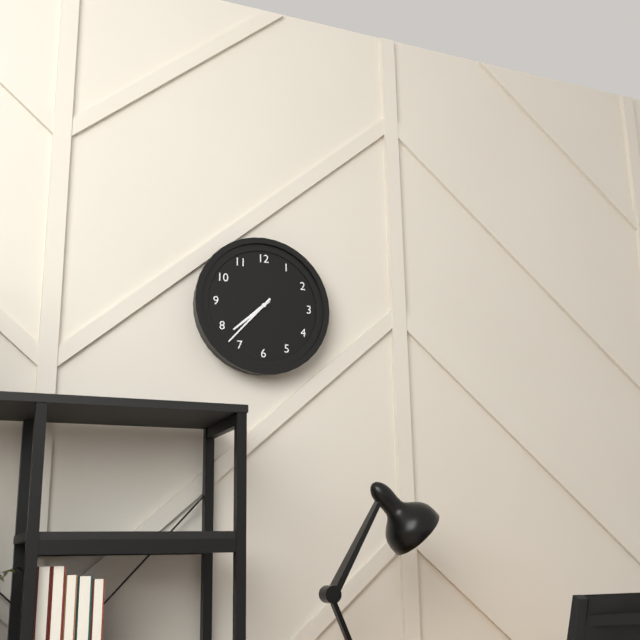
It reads {"hour": 7, "minute": 37}
